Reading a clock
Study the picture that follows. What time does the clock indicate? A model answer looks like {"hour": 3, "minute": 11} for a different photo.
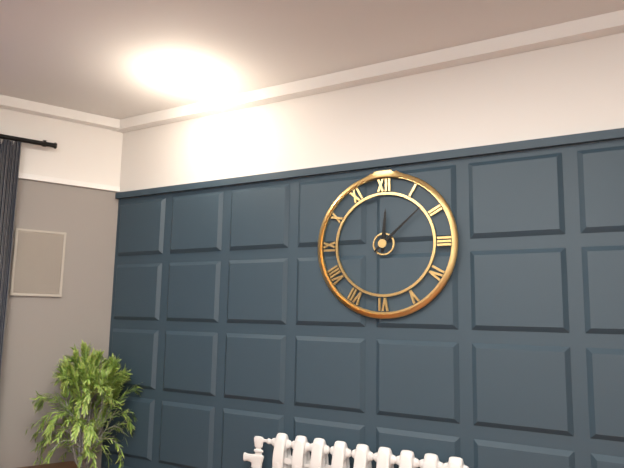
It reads {"hour": 12, "minute": 8}
